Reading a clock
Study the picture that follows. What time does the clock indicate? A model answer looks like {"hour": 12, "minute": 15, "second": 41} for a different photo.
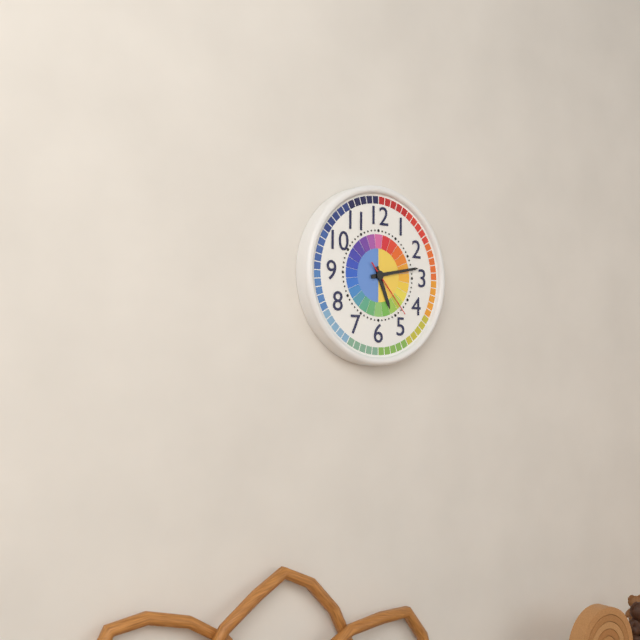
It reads {"hour": 5, "minute": 13, "second": 23}
